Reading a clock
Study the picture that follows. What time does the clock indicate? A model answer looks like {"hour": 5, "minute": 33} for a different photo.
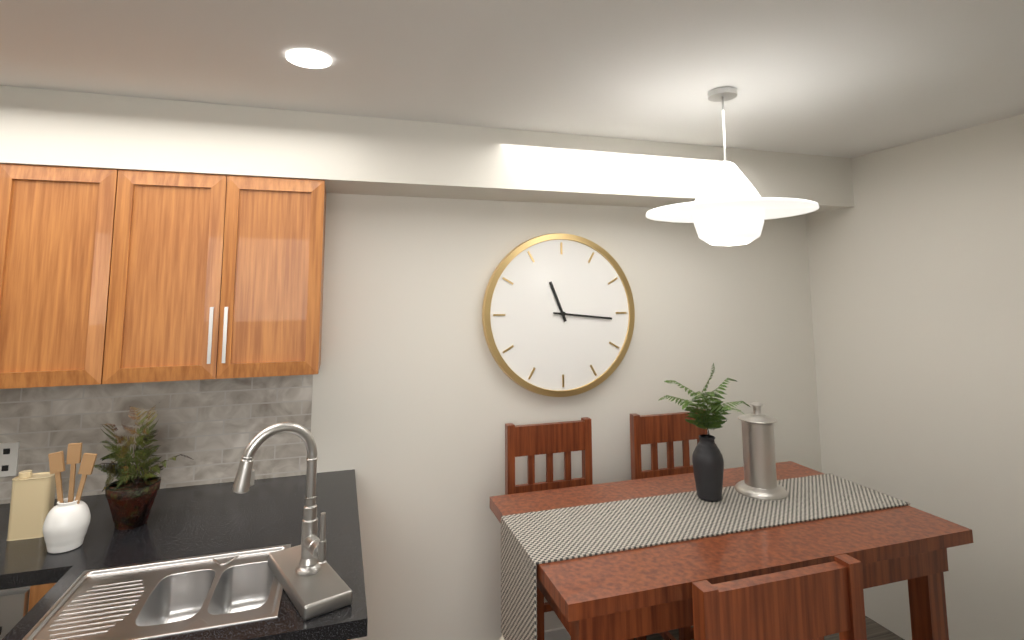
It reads {"hour": 11, "minute": 16}
